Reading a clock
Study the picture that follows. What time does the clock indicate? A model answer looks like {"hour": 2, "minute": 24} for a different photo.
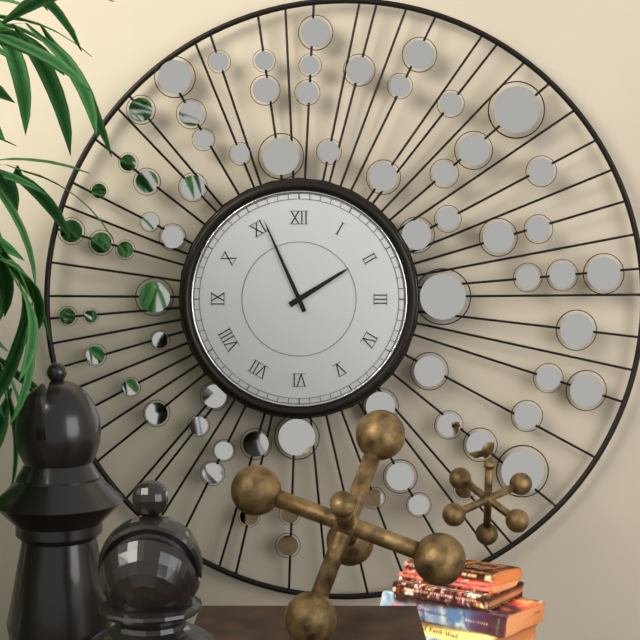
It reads {"hour": 1, "minute": 56}
